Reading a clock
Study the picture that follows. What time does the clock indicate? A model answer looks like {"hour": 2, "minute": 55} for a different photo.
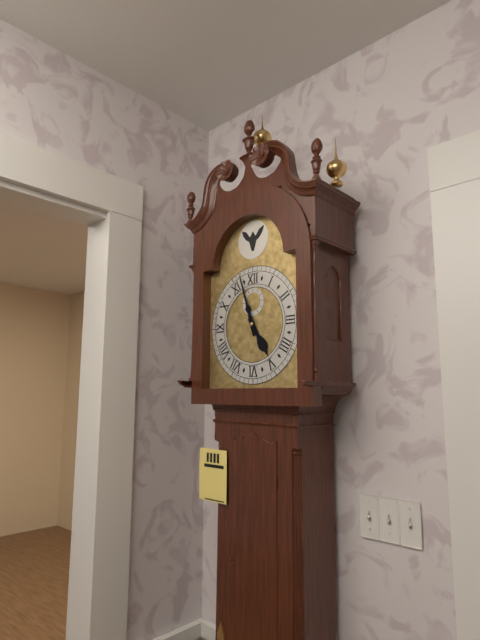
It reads {"hour": 4, "minute": 57}
